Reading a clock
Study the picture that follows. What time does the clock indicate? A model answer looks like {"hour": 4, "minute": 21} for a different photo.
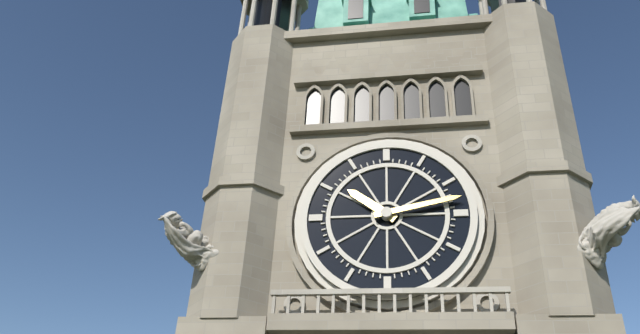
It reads {"hour": 10, "minute": 13}
